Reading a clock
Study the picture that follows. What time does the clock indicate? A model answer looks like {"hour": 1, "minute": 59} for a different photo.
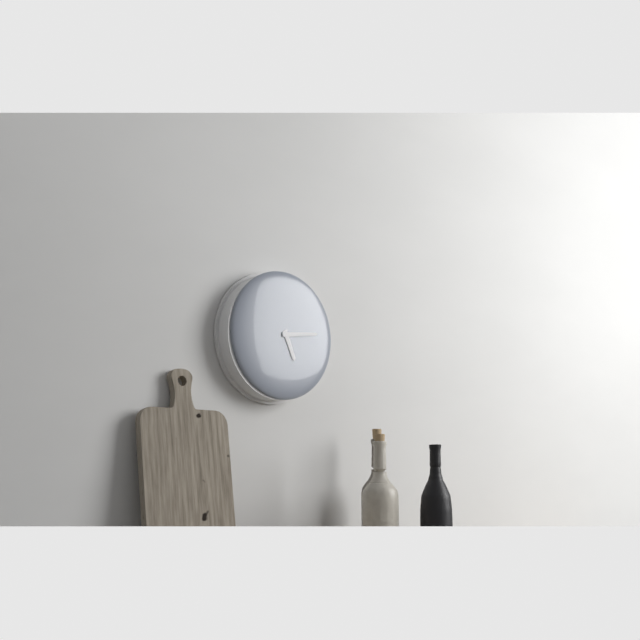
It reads {"hour": 5, "minute": 14}
